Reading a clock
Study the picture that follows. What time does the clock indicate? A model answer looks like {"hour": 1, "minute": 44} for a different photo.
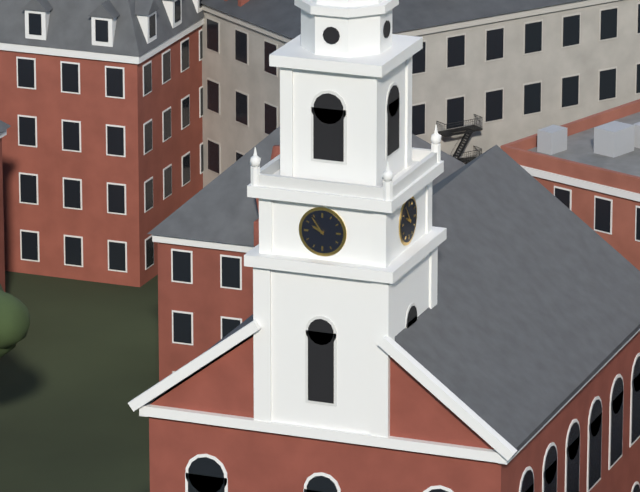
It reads {"hour": 9, "minute": 54}
